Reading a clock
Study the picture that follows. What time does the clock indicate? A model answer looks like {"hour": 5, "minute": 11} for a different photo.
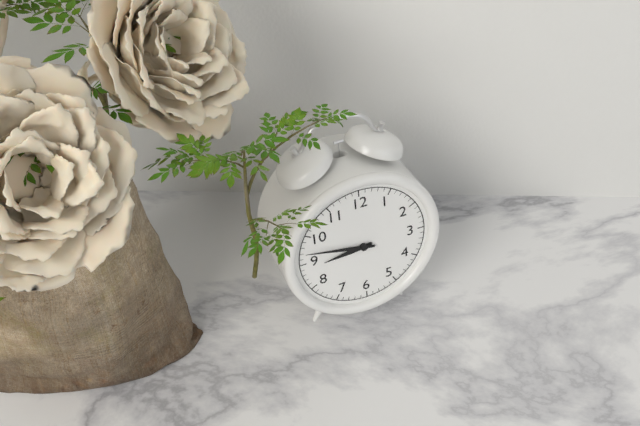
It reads {"hour": 8, "minute": 47}
